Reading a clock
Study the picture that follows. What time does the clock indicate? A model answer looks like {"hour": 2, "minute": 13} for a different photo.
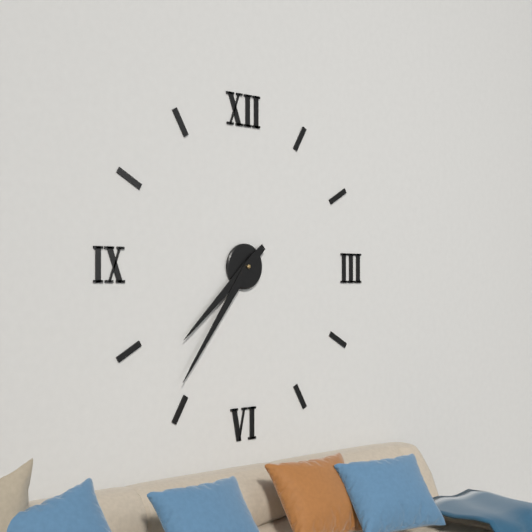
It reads {"hour": 7, "minute": 36}
